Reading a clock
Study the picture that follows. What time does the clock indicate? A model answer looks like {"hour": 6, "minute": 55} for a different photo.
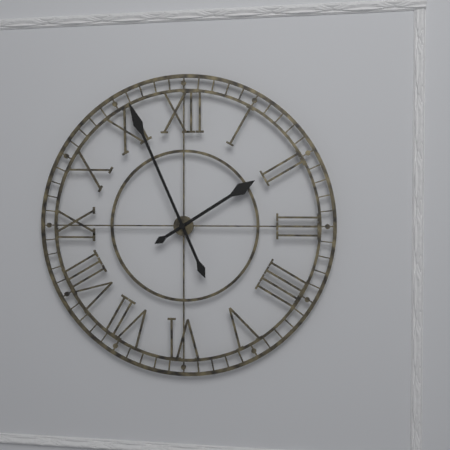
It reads {"hour": 1, "minute": 56}
